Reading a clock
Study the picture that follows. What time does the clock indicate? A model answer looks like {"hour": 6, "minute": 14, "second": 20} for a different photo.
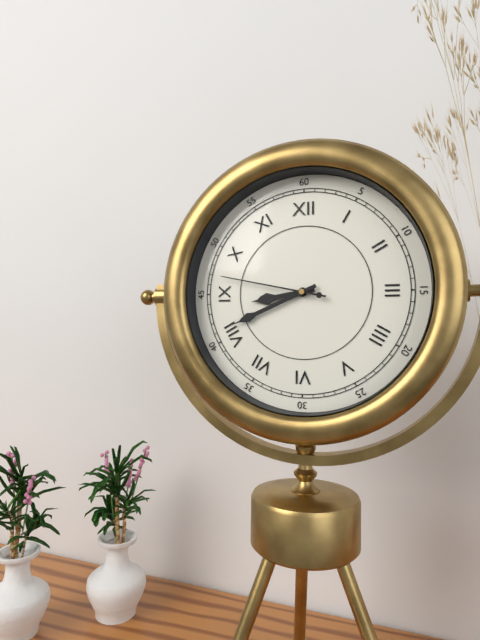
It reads {"hour": 8, "minute": 41, "second": 47}
